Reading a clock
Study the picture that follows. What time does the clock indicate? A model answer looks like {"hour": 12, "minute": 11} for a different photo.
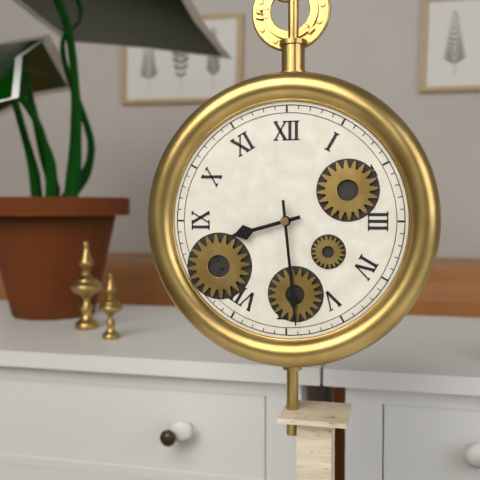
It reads {"hour": 8, "minute": 29}
